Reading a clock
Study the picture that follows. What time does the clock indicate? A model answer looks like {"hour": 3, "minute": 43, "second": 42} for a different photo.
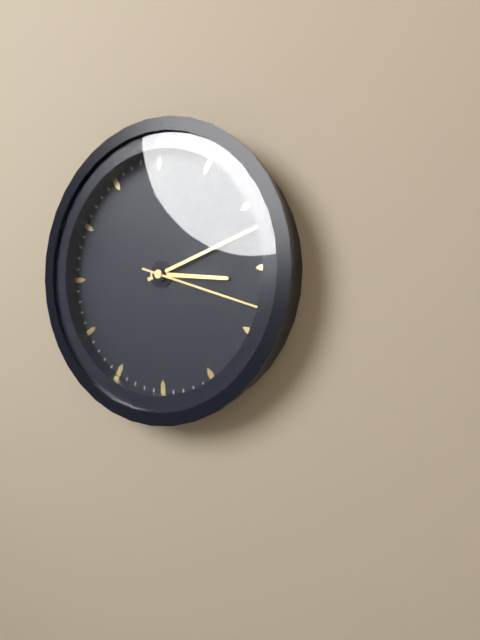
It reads {"hour": 3, "minute": 12, "second": 18}
